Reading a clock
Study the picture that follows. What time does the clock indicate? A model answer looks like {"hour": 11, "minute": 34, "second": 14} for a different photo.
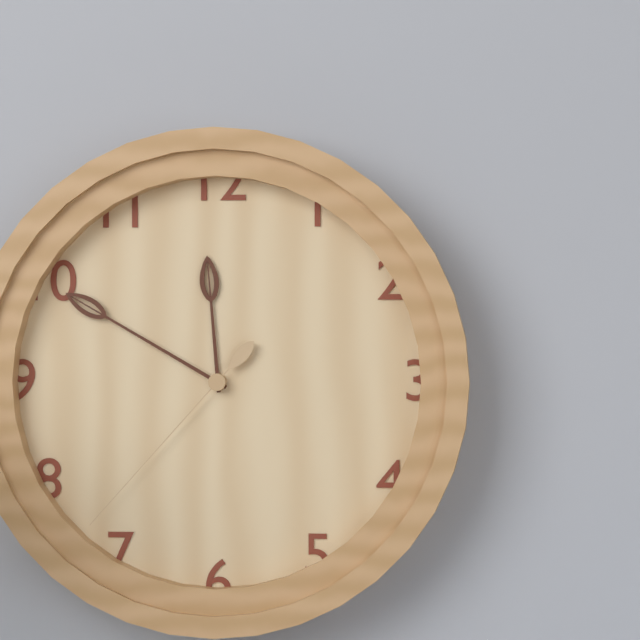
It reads {"hour": 11, "minute": 50, "second": 37}
